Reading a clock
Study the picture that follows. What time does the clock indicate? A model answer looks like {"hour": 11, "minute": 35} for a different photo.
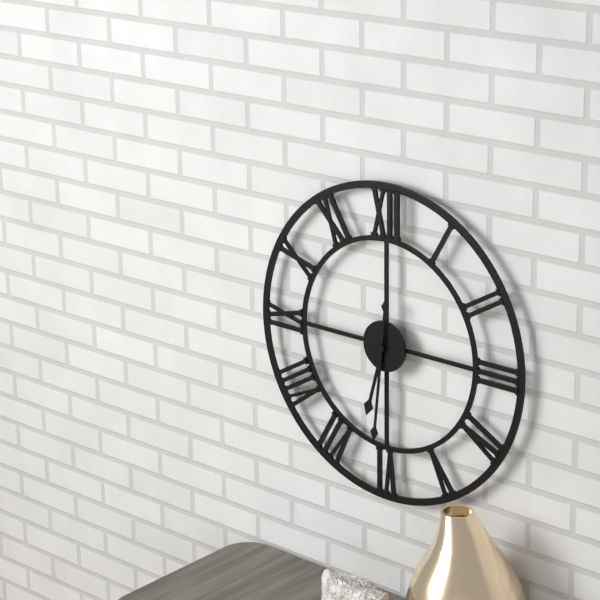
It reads {"hour": 6, "minute": 31}
